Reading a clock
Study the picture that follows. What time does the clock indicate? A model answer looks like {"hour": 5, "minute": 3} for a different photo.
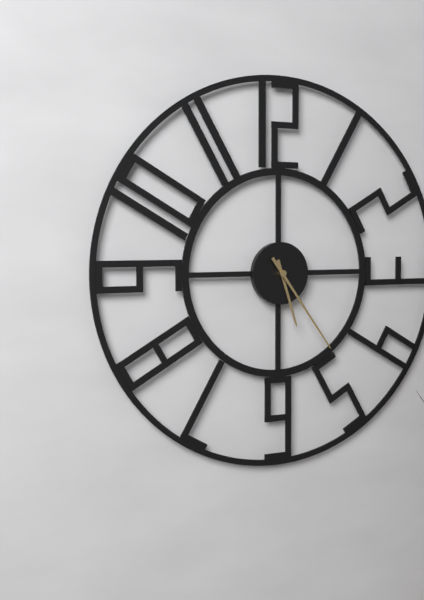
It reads {"hour": 5, "minute": 24}
